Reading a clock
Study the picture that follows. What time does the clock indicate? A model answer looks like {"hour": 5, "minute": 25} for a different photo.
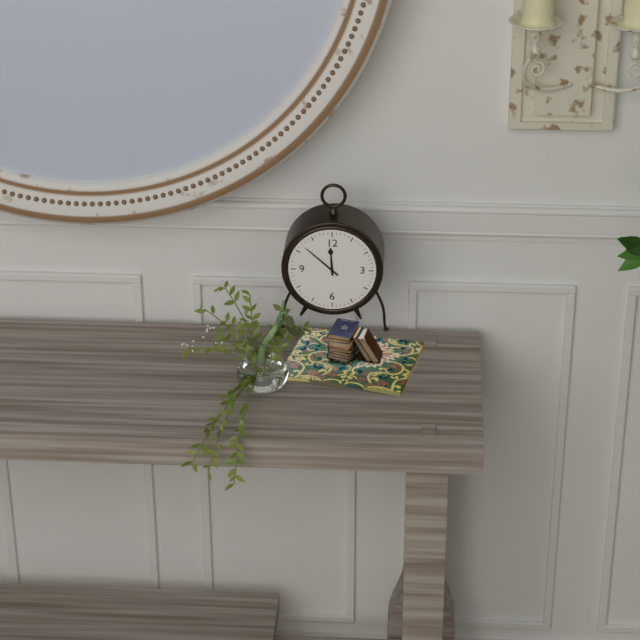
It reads {"hour": 11, "minute": 52}
